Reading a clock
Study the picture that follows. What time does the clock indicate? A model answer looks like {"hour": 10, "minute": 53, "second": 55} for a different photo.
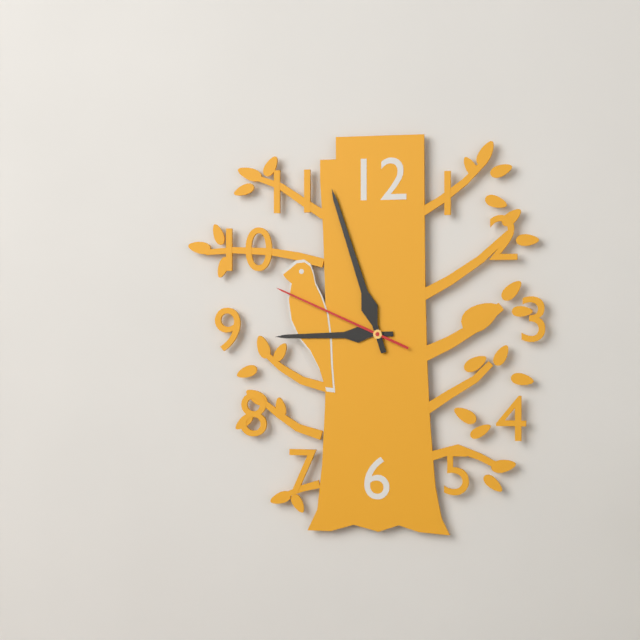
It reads {"hour": 8, "minute": 57, "second": 49}
